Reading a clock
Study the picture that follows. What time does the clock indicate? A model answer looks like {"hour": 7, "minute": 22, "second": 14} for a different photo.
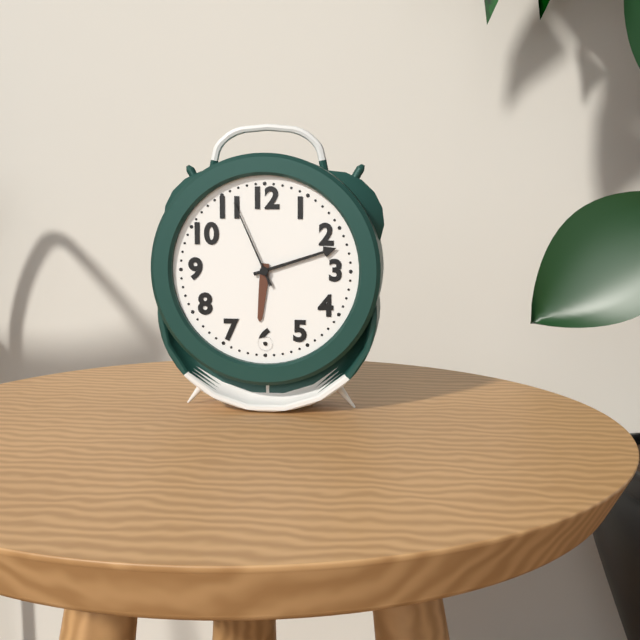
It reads {"hour": 6, "minute": 12, "second": 56}
